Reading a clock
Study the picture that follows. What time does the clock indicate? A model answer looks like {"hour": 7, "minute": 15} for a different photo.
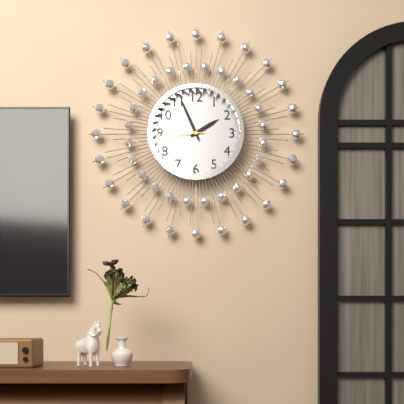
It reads {"hour": 1, "minute": 56}
